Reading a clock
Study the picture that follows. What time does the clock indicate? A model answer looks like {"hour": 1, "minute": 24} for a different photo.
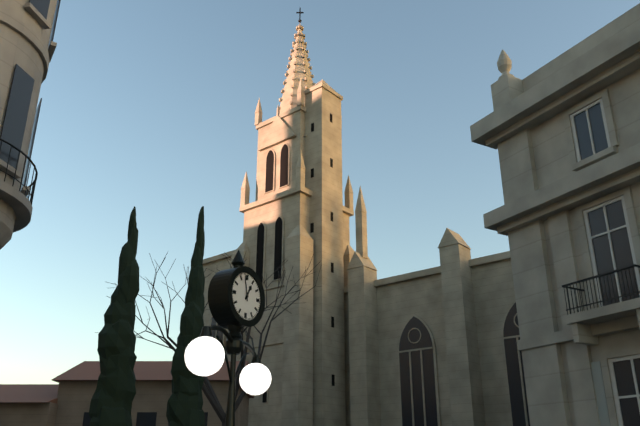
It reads {"hour": 12, "minute": 58}
